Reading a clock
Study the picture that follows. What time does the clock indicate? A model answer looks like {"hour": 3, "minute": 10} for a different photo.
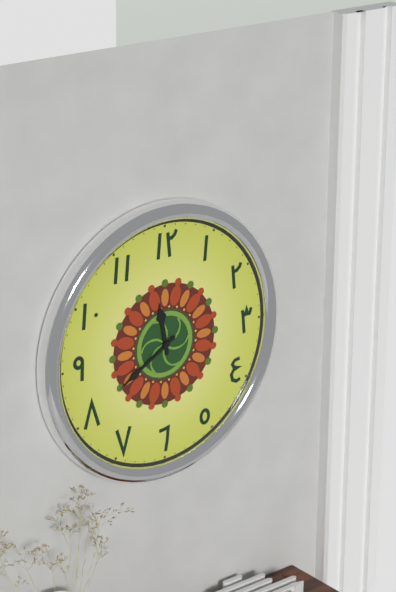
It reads {"hour": 11, "minute": 40}
